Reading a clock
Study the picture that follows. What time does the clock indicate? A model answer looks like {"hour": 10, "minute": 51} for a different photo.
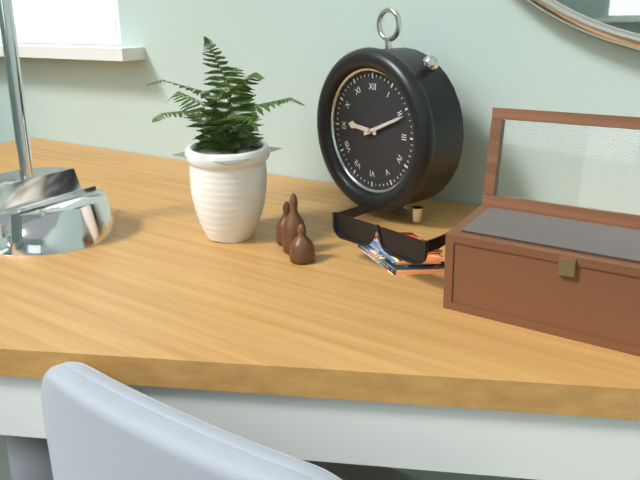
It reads {"hour": 9, "minute": 11}
